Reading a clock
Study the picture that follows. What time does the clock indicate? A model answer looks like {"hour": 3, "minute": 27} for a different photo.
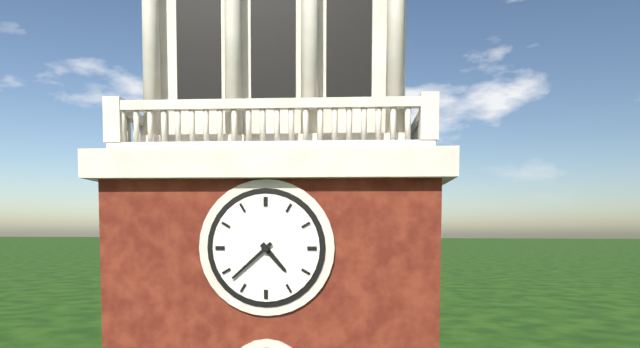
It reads {"hour": 4, "minute": 38}
